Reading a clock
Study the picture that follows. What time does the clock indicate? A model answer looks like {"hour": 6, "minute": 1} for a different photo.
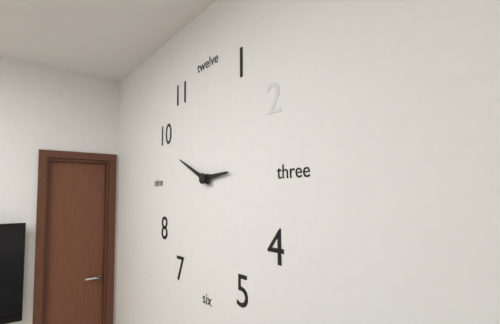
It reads {"hour": 2, "minute": 49}
